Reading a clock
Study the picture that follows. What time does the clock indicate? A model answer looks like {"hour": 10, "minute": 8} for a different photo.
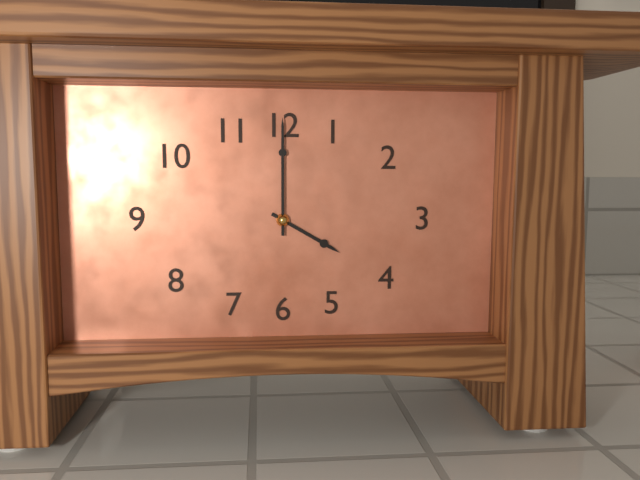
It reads {"hour": 4, "minute": 0}
